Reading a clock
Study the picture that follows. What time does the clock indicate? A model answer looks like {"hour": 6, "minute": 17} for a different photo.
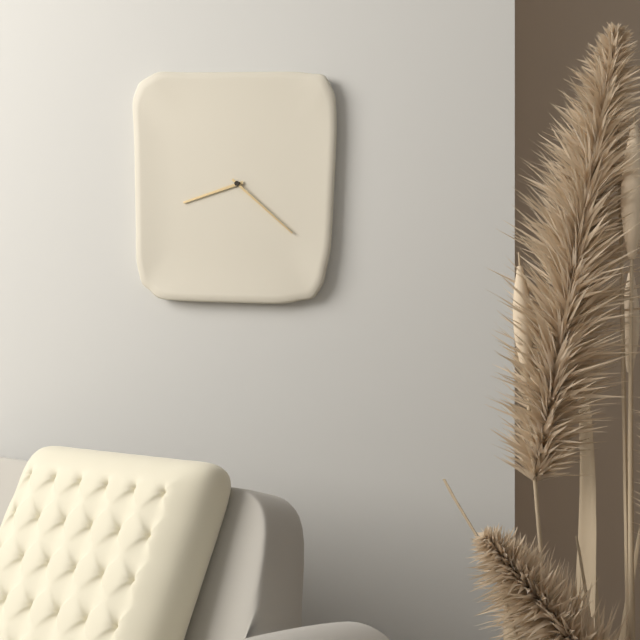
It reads {"hour": 8, "minute": 22}
